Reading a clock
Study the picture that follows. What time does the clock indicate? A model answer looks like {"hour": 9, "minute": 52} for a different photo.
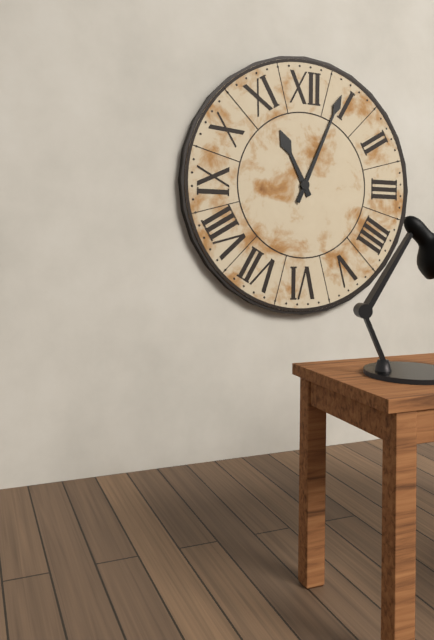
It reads {"hour": 11, "minute": 4}
